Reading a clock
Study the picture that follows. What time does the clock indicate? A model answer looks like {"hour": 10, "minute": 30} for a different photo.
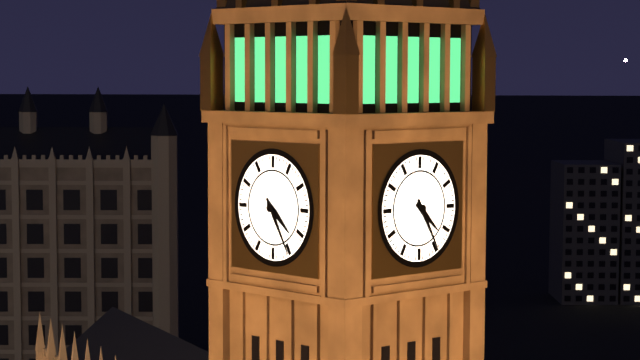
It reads {"hour": 4, "minute": 25}
